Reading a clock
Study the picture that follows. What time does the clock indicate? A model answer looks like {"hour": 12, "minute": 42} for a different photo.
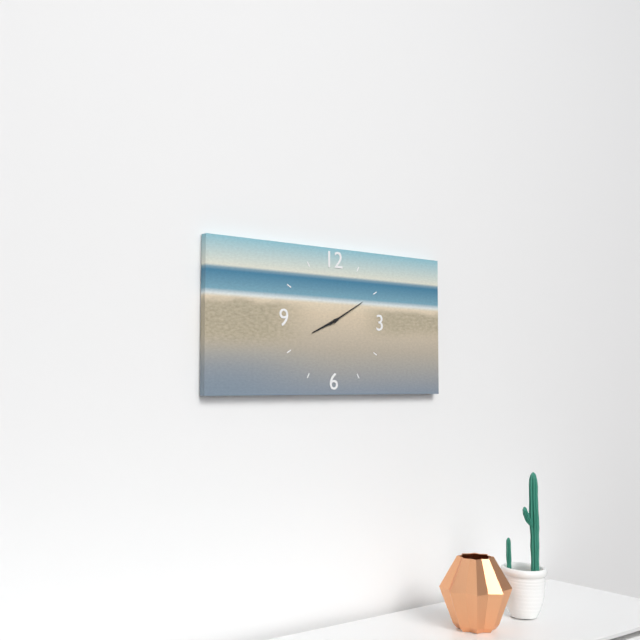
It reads {"hour": 8, "minute": 10}
